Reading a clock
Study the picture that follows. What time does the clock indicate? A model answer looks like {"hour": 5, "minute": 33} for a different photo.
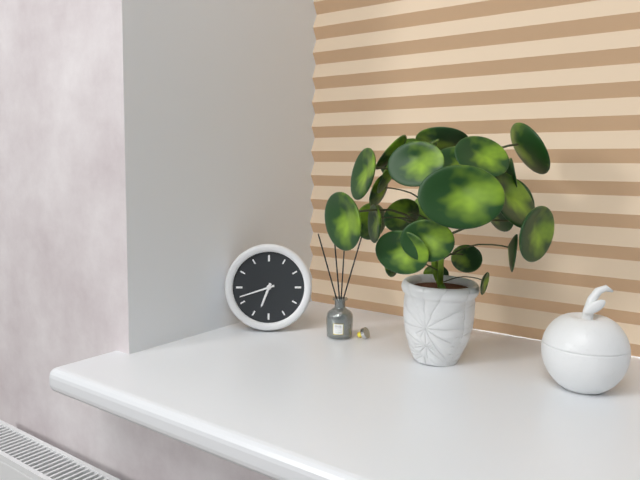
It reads {"hour": 6, "minute": 42}
